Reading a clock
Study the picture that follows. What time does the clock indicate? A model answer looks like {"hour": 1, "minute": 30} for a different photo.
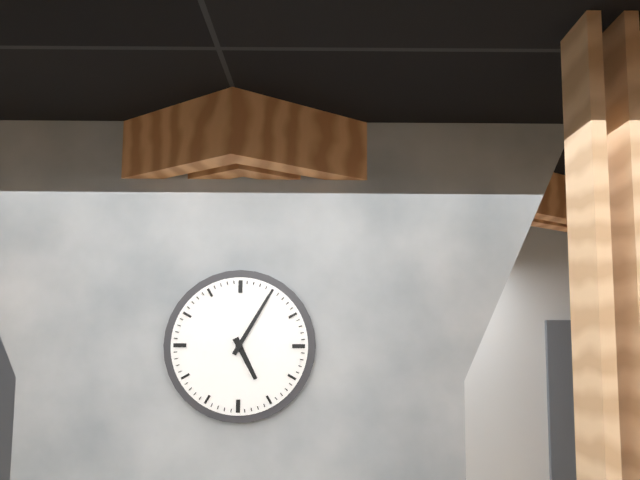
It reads {"hour": 5, "minute": 5}
